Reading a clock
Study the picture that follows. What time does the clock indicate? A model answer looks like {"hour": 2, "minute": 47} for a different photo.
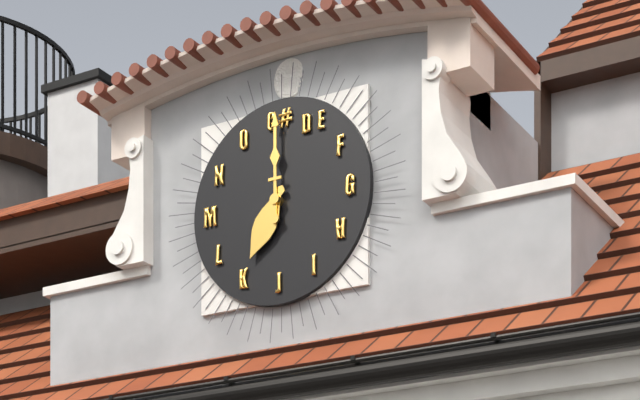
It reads {"hour": 7, "minute": 0}
